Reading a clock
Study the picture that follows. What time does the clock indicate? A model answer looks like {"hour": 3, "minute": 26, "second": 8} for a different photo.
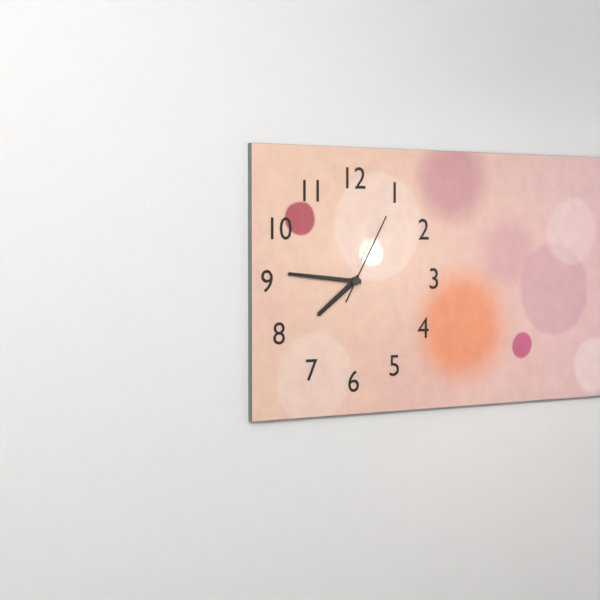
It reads {"hour": 7, "minute": 46, "second": 5}
